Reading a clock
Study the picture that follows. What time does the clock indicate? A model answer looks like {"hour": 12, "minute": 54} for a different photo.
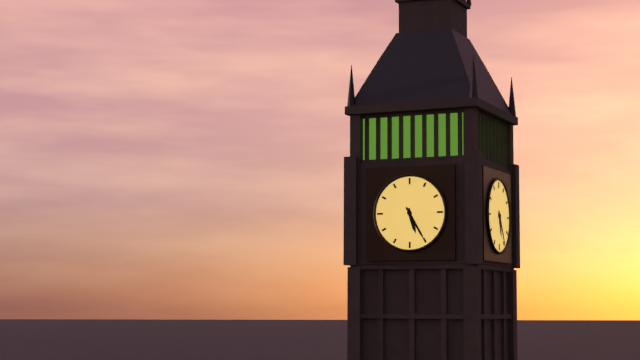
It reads {"hour": 5, "minute": 25}
